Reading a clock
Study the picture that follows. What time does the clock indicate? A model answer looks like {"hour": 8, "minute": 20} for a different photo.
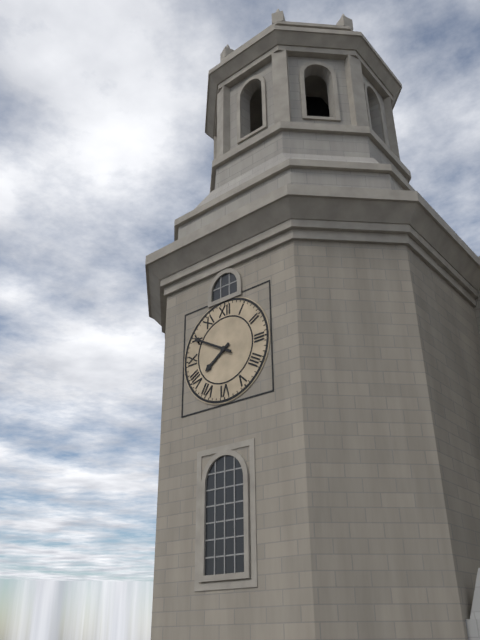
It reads {"hour": 7, "minute": 50}
